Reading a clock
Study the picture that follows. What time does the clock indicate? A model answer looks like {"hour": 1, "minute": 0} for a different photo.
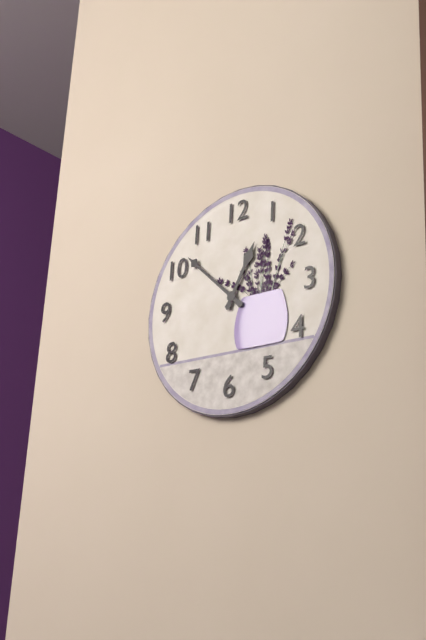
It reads {"hour": 12, "minute": 52}
